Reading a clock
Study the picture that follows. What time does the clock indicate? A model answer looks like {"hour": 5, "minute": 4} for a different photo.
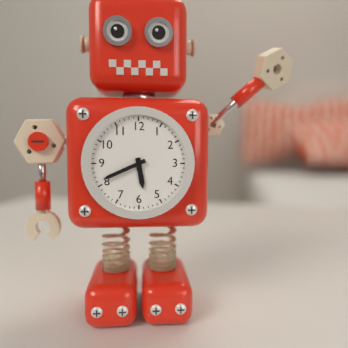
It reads {"hour": 5, "minute": 41}
